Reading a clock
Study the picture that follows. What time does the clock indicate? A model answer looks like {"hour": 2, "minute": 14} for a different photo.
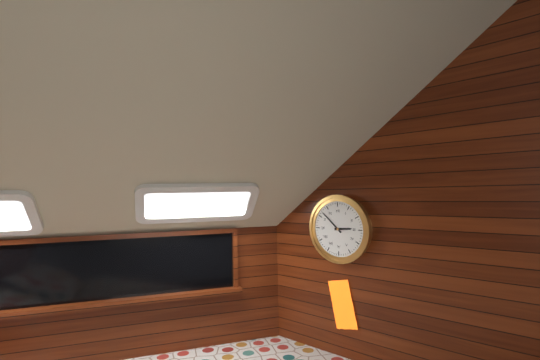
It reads {"hour": 2, "minute": 52}
